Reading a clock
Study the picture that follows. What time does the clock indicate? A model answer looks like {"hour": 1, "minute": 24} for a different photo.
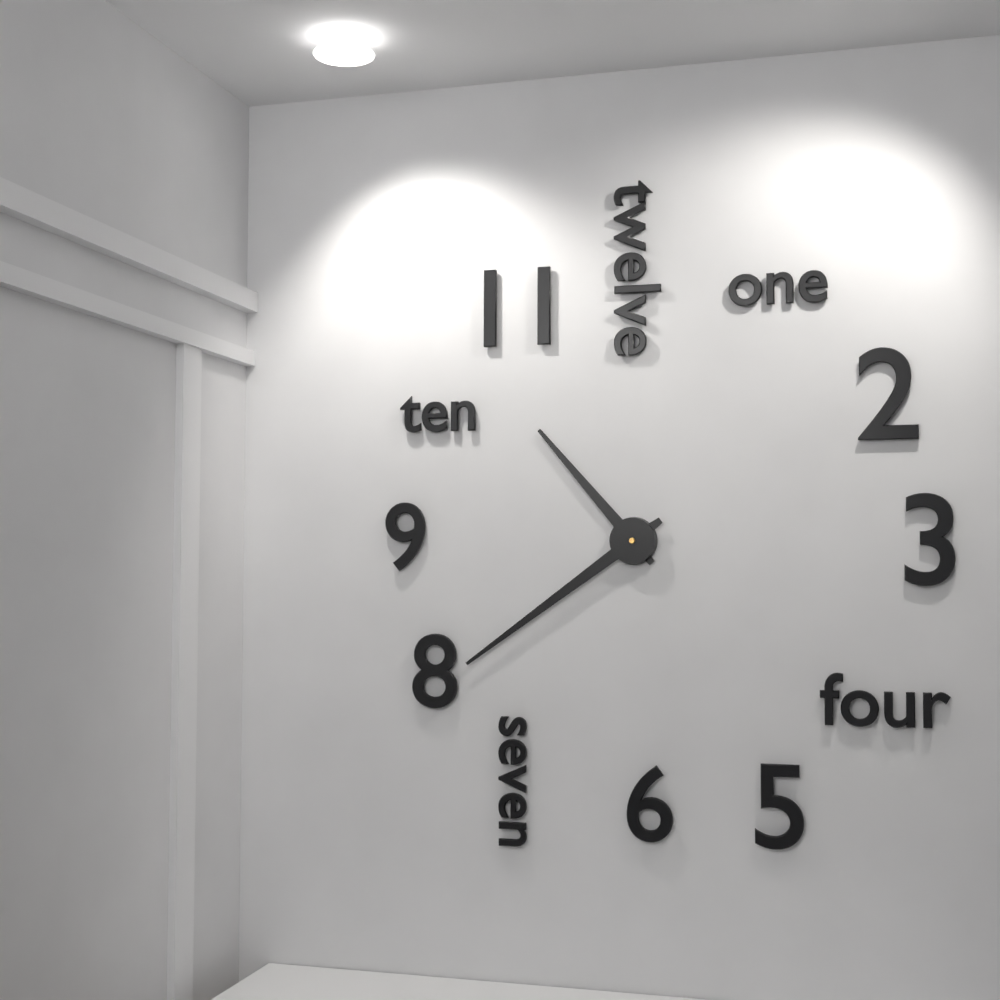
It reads {"hour": 10, "minute": 39}
